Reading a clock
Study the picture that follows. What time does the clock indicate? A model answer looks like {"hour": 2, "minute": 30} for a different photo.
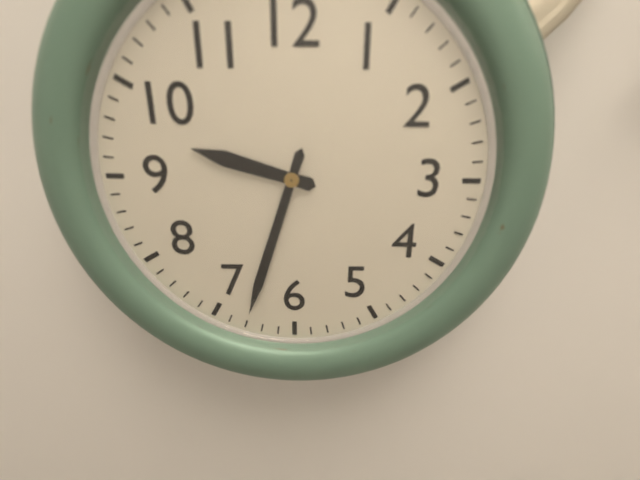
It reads {"hour": 9, "minute": 33}
